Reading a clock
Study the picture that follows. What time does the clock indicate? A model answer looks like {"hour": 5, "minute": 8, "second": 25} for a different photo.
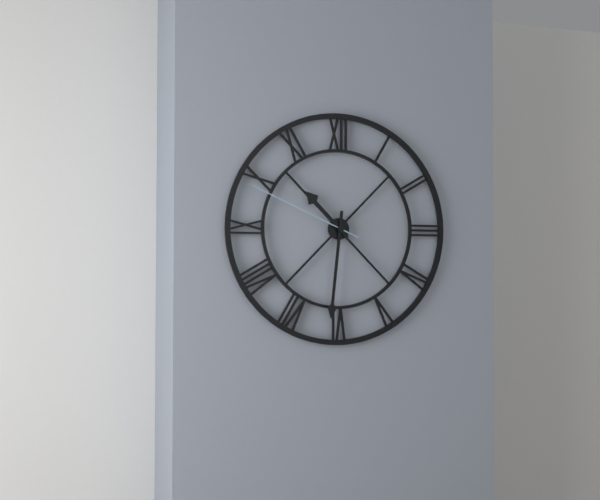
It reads {"hour": 10, "minute": 31, "second": 49}
